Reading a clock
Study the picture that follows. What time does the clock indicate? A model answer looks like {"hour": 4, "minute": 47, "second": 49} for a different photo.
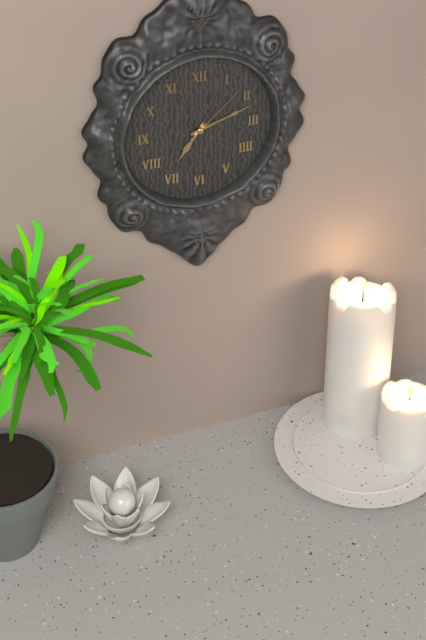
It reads {"hour": 7, "minute": 12, "second": 8}
